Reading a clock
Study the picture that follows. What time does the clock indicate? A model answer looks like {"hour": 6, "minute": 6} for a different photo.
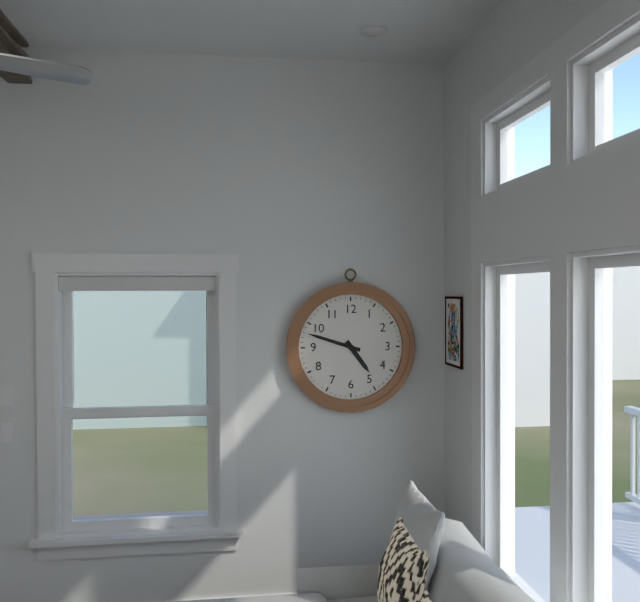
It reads {"hour": 4, "minute": 48}
